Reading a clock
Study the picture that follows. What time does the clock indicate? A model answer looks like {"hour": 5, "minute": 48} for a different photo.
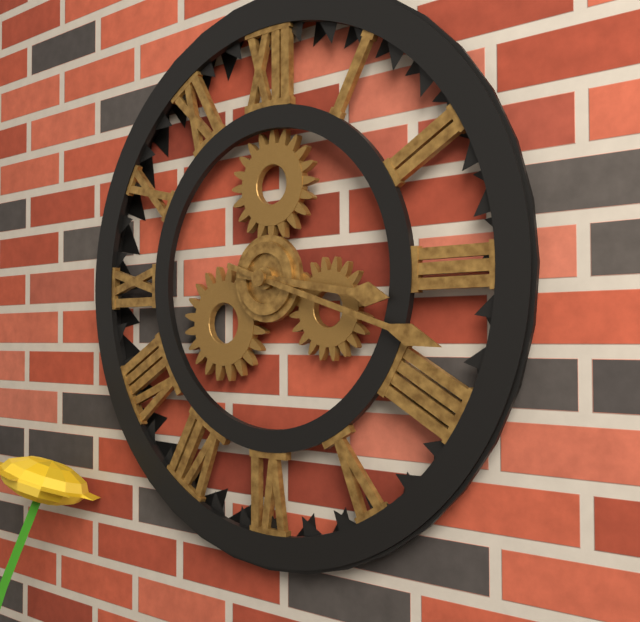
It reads {"hour": 3, "minute": 18}
